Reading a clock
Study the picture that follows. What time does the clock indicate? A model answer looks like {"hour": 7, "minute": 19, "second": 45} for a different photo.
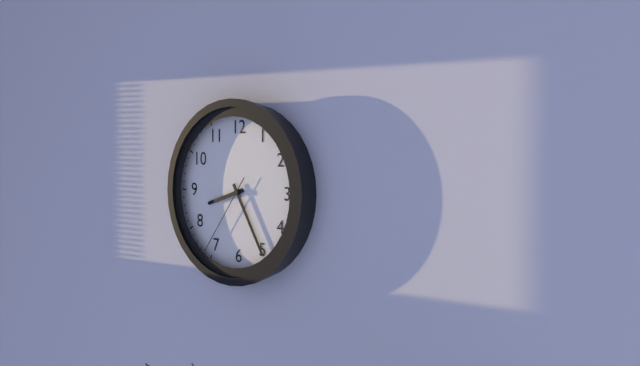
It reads {"hour": 8, "minute": 25, "second": 36}
